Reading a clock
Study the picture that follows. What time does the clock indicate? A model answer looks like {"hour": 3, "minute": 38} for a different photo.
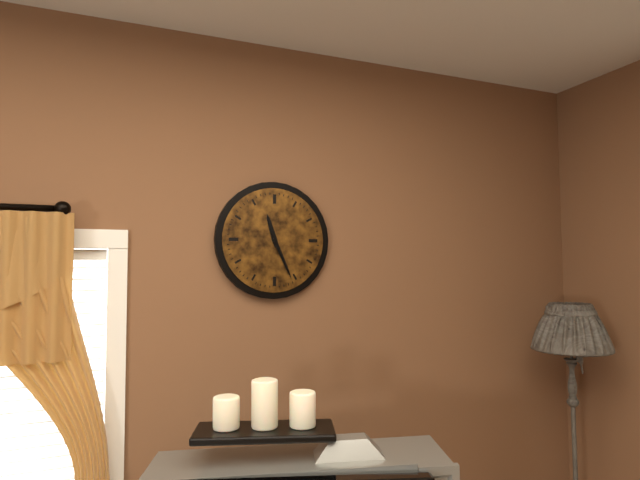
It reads {"hour": 11, "minute": 26}
